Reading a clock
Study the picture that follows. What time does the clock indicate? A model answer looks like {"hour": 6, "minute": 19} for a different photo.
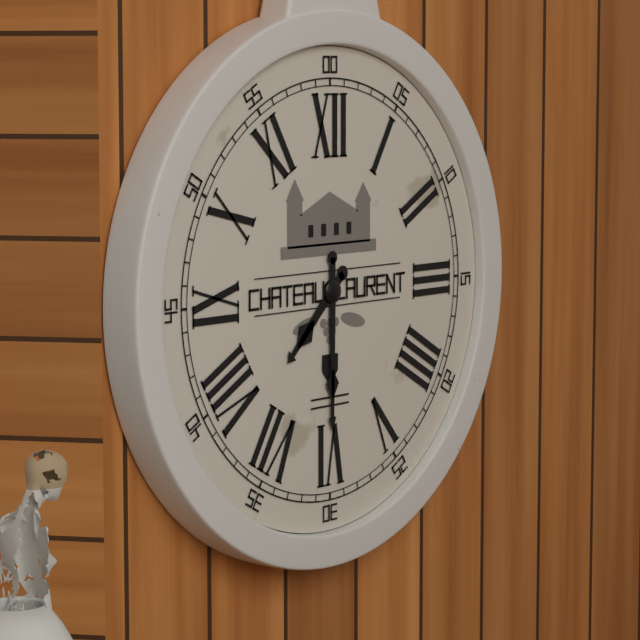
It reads {"hour": 7, "minute": 30}
